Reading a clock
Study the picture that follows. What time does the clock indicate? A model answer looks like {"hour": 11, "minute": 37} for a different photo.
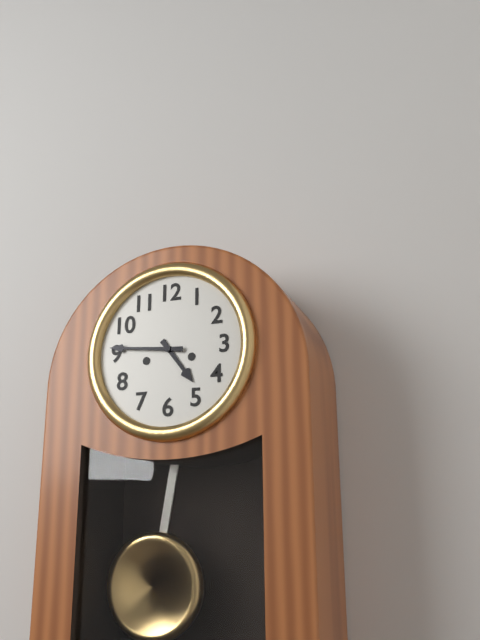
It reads {"hour": 4, "minute": 46}
